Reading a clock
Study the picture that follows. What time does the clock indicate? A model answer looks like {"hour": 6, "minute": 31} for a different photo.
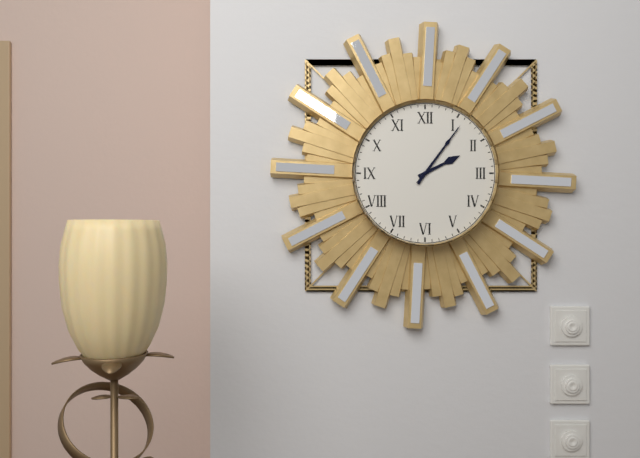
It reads {"hour": 2, "minute": 6}
